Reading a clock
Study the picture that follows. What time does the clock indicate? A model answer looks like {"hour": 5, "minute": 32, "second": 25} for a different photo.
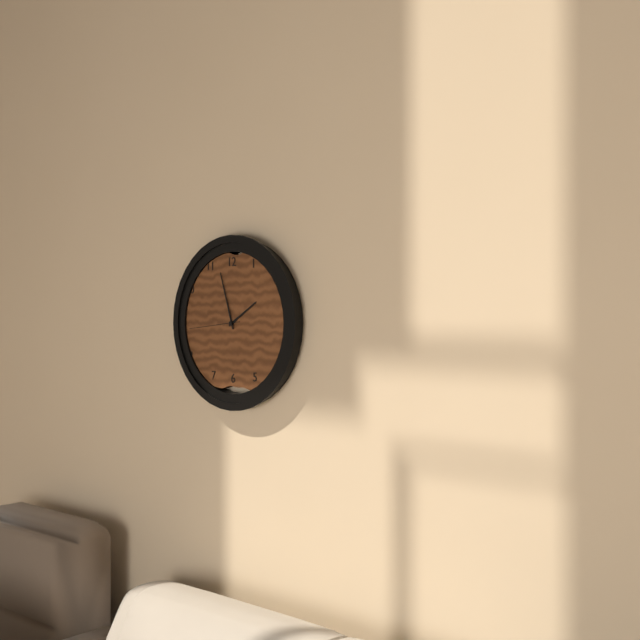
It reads {"hour": 1, "minute": 57, "second": 44}
